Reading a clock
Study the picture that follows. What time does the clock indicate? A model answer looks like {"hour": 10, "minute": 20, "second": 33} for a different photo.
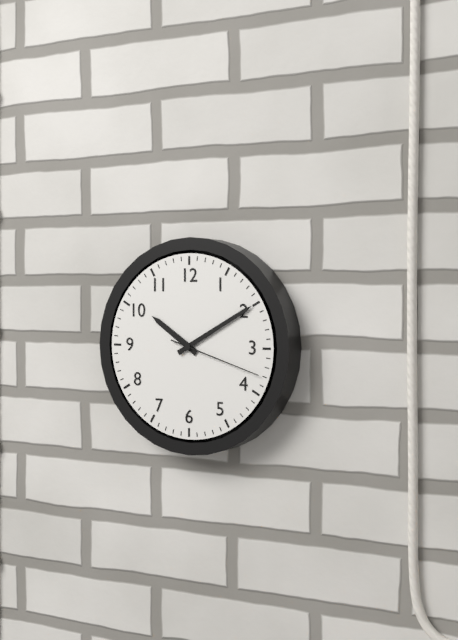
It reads {"hour": 10, "minute": 10, "second": 18}
